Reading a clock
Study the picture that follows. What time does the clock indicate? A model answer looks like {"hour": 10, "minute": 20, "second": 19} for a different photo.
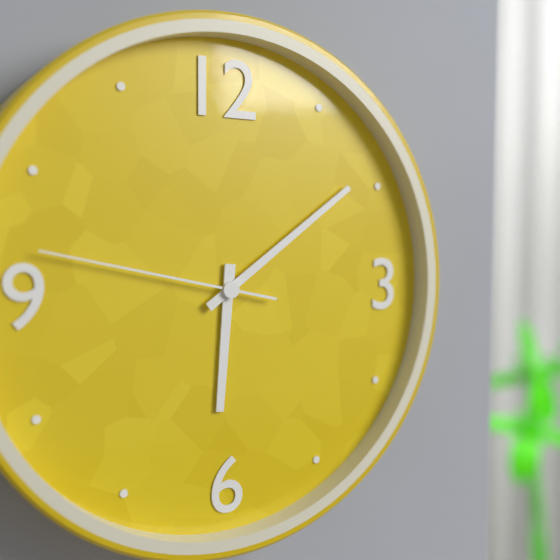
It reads {"hour": 6, "minute": 9, "second": 47}
